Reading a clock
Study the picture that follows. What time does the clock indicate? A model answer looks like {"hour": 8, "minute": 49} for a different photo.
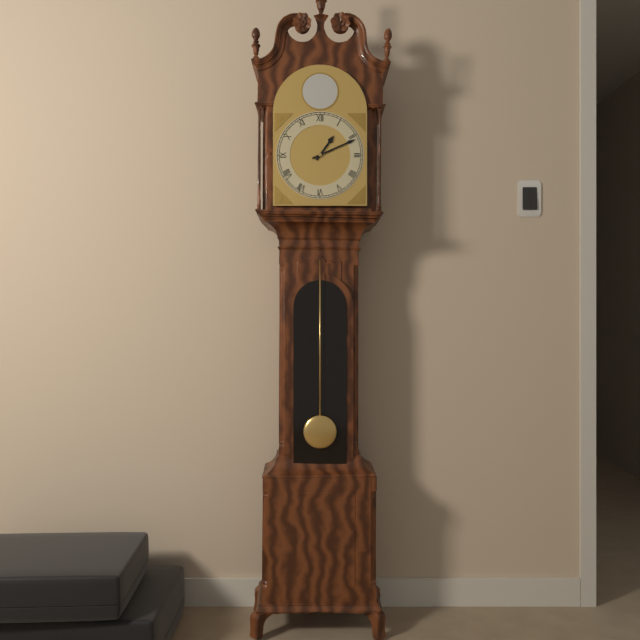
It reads {"hour": 1, "minute": 11}
